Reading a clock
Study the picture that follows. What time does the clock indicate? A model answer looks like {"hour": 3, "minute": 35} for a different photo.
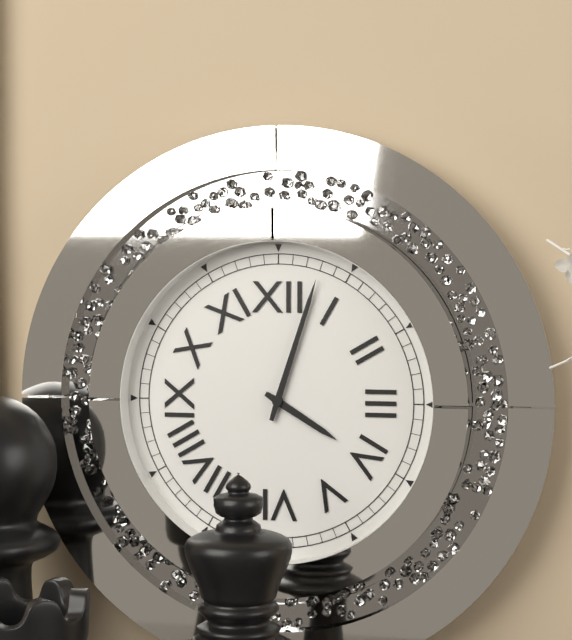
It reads {"hour": 4, "minute": 3}
